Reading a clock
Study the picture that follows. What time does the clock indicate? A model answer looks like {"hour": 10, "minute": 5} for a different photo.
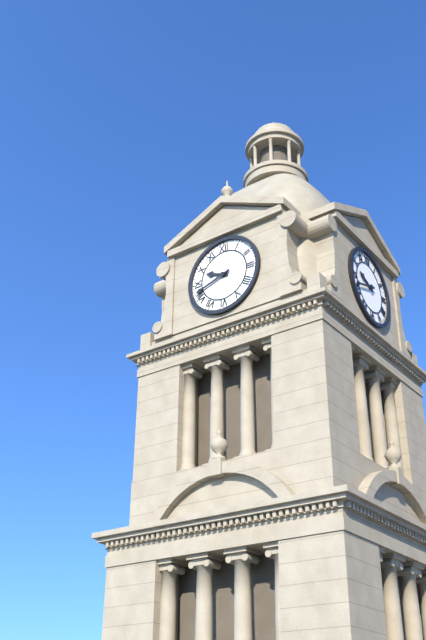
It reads {"hour": 9, "minute": 42}
